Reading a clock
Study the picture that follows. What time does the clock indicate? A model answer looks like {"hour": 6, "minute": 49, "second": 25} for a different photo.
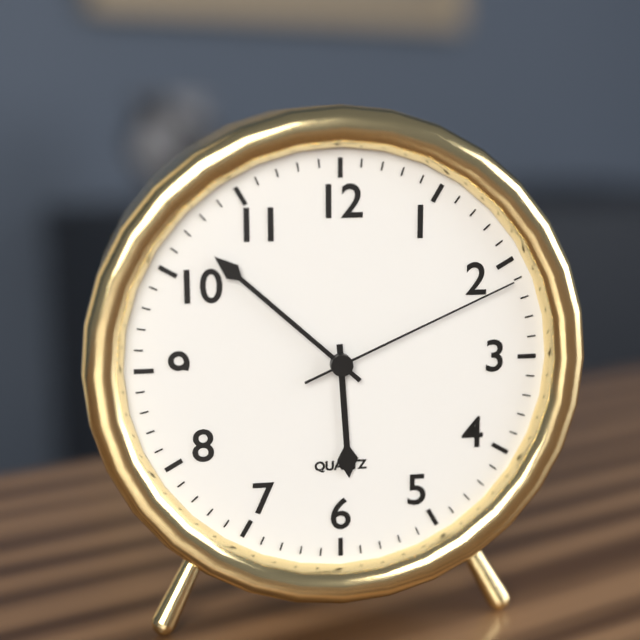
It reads {"hour": 5, "minute": 52, "second": 11}
